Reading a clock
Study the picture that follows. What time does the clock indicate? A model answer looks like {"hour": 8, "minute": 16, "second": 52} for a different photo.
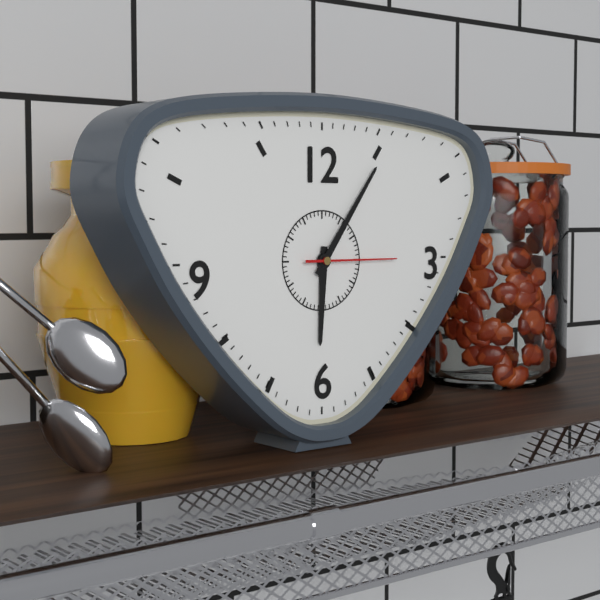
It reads {"hour": 6, "minute": 6, "second": 15}
